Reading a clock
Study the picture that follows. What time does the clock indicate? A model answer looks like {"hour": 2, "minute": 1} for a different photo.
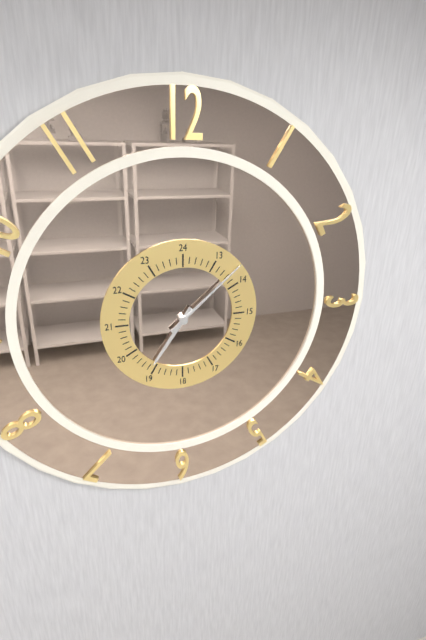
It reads {"hour": 7, "minute": 8}
